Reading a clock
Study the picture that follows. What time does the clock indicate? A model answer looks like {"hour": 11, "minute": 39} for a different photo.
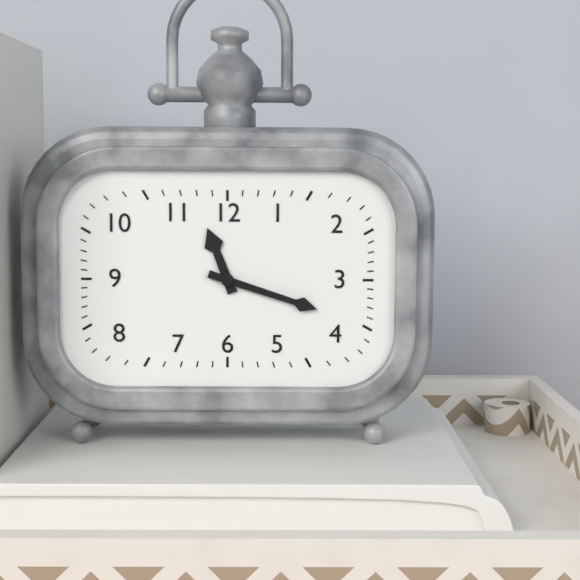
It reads {"hour": 11, "minute": 18}
